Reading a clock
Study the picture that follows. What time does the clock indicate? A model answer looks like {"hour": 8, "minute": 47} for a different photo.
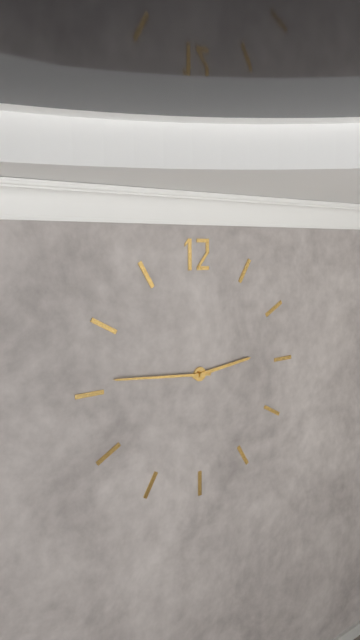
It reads {"hour": 2, "minute": 46}
